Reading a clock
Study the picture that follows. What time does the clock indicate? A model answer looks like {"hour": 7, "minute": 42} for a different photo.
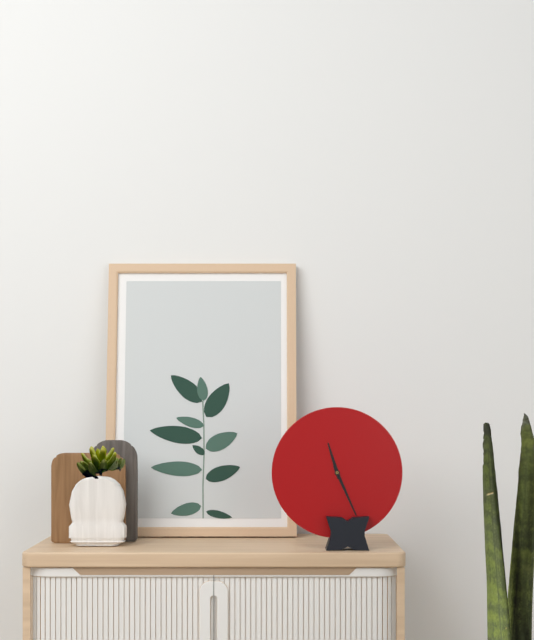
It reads {"hour": 11, "minute": 26}
